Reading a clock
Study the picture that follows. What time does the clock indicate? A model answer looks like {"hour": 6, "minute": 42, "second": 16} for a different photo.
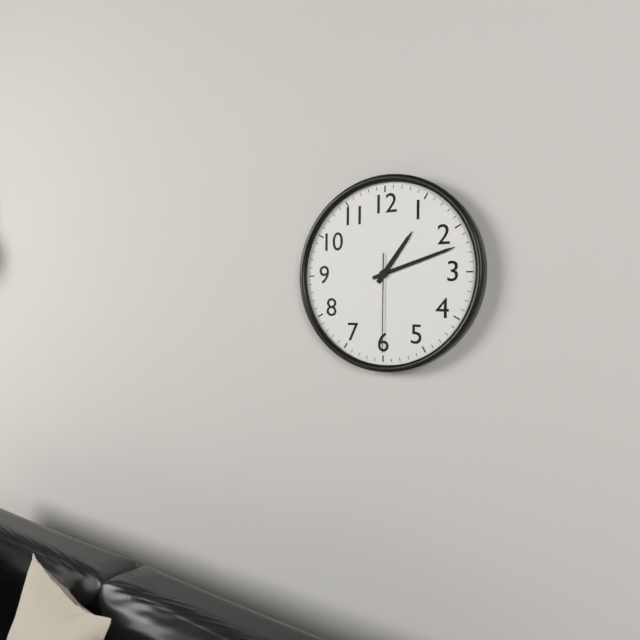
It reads {"hour": 1, "minute": 12, "second": 30}
